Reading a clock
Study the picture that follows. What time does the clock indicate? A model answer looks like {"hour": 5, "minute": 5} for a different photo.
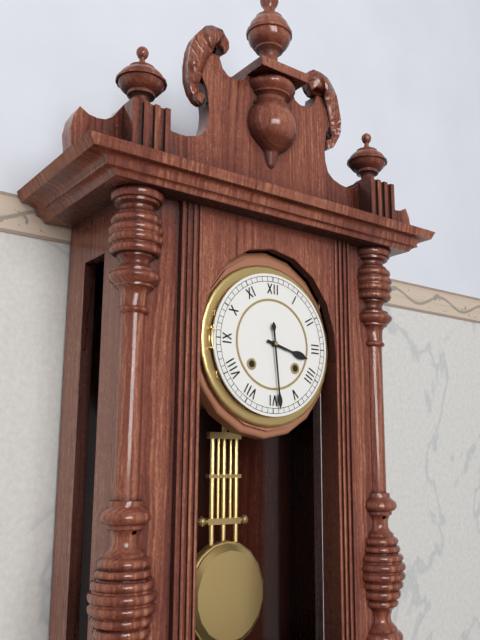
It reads {"hour": 3, "minute": 29}
